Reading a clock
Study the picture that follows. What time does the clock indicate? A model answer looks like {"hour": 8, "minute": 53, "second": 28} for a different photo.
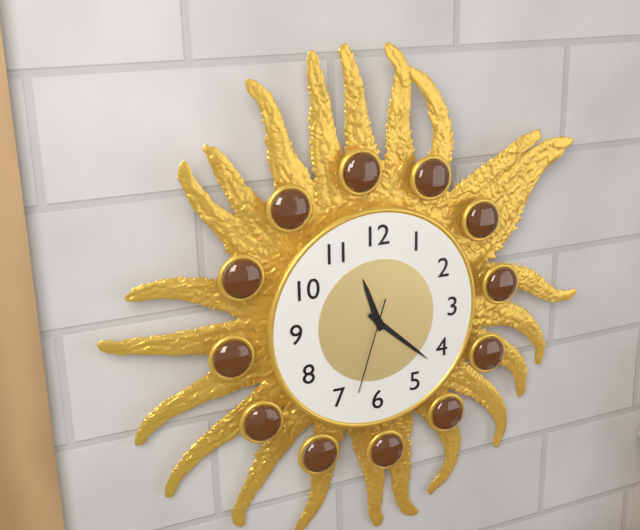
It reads {"hour": 11, "minute": 22, "second": 33}
